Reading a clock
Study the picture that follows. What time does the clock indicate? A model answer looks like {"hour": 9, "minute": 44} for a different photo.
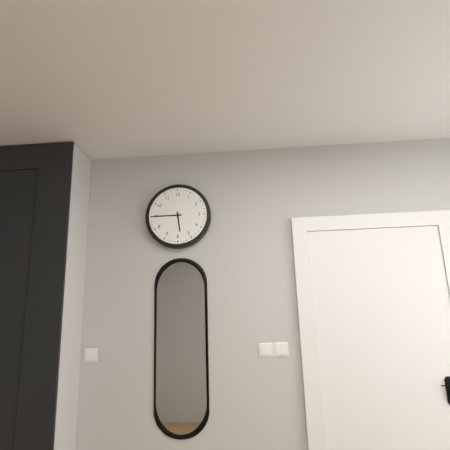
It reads {"hour": 5, "minute": 45}
